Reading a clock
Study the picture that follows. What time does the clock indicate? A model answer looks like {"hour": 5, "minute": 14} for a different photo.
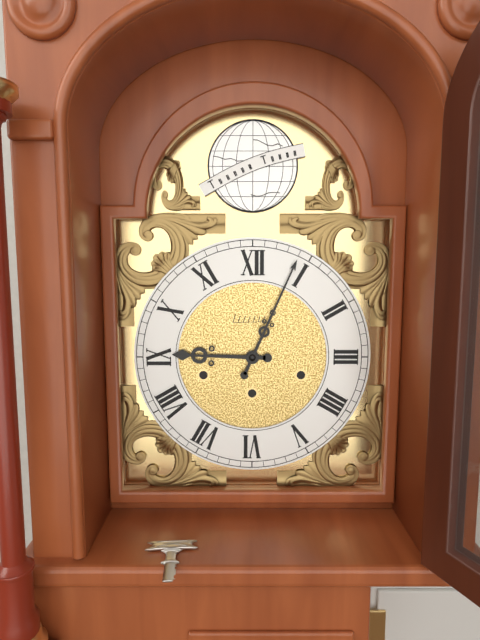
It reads {"hour": 9, "minute": 4}
